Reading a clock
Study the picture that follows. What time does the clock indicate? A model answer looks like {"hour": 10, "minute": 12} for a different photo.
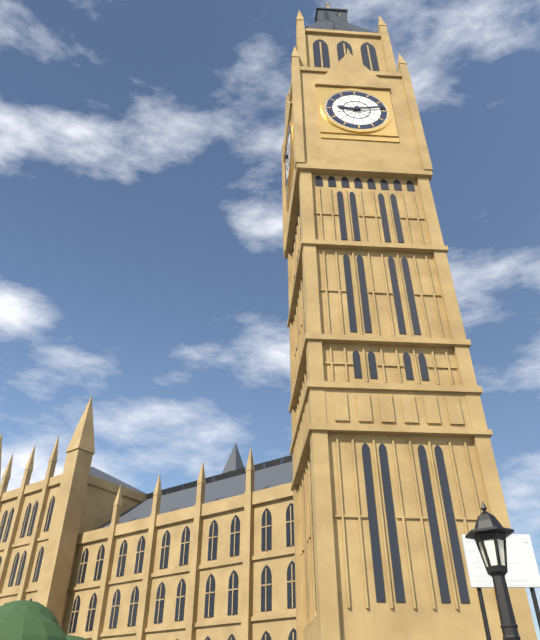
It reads {"hour": 9, "minute": 13}
